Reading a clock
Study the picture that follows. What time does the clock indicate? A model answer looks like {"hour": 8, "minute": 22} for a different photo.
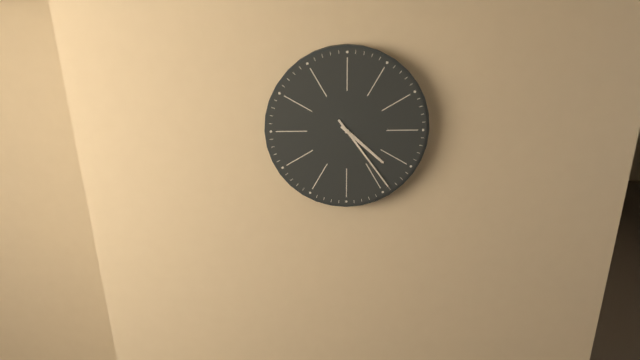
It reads {"hour": 4, "minute": 24}
